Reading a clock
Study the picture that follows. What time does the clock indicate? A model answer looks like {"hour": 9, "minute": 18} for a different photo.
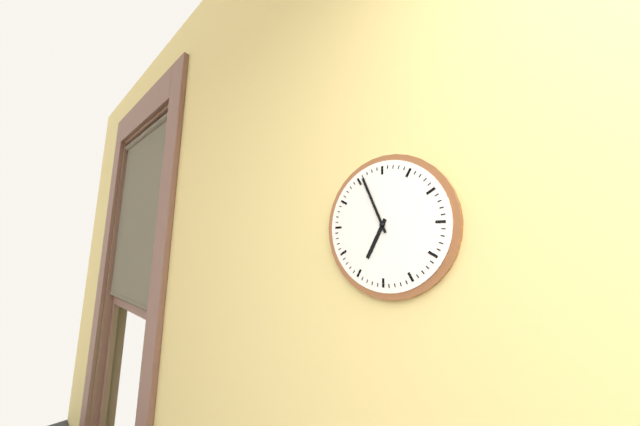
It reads {"hour": 6, "minute": 56}
